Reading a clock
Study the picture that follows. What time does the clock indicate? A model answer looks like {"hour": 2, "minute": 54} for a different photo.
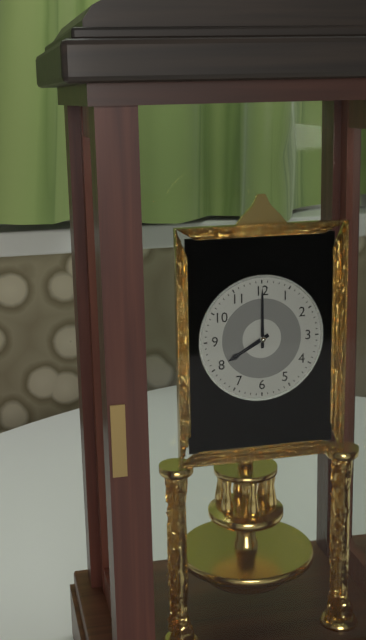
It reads {"hour": 8, "minute": 0}
